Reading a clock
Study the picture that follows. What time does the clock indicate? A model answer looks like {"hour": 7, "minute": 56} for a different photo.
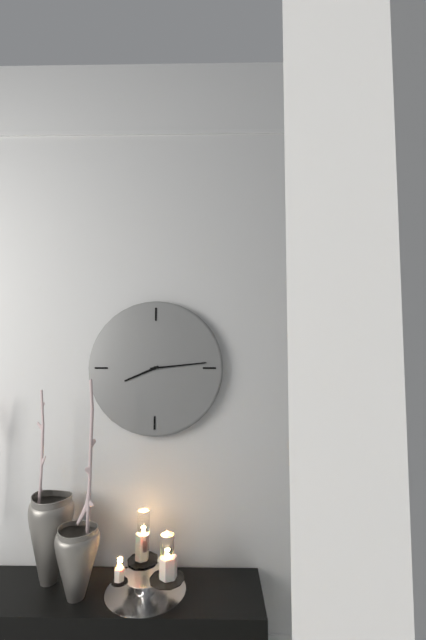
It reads {"hour": 8, "minute": 14}
